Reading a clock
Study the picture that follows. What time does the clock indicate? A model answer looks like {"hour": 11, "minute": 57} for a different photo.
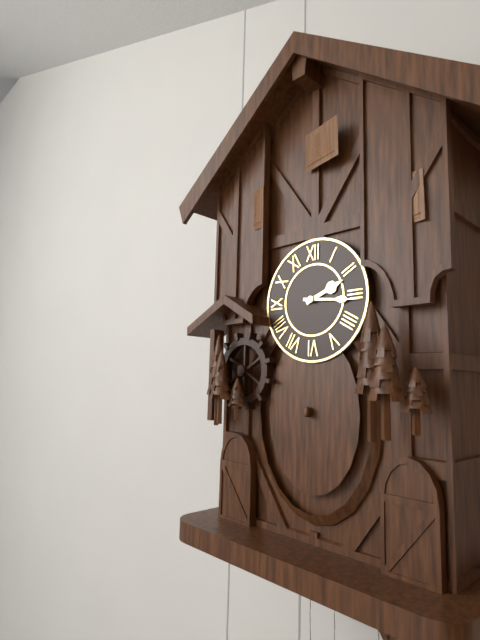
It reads {"hour": 2, "minute": 16}
